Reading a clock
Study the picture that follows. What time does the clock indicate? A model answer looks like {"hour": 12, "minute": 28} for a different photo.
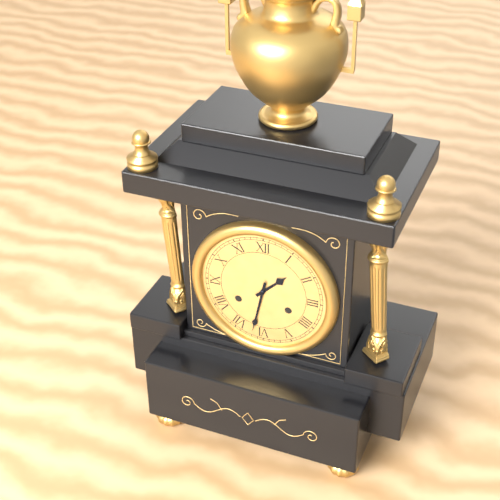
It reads {"hour": 1, "minute": 32}
